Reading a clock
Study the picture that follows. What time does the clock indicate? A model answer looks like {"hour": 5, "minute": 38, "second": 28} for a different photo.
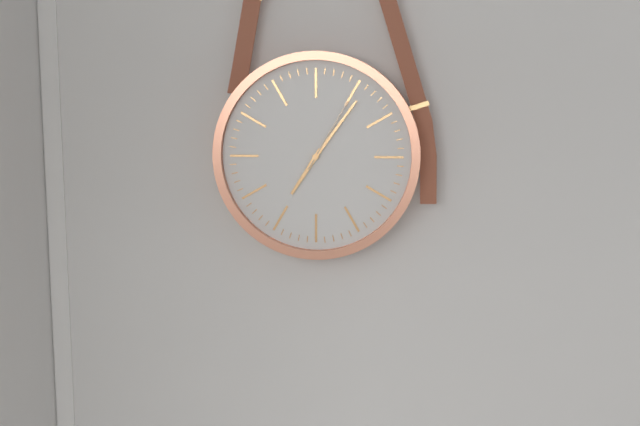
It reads {"hour": 7, "minute": 6, "second": 5}
